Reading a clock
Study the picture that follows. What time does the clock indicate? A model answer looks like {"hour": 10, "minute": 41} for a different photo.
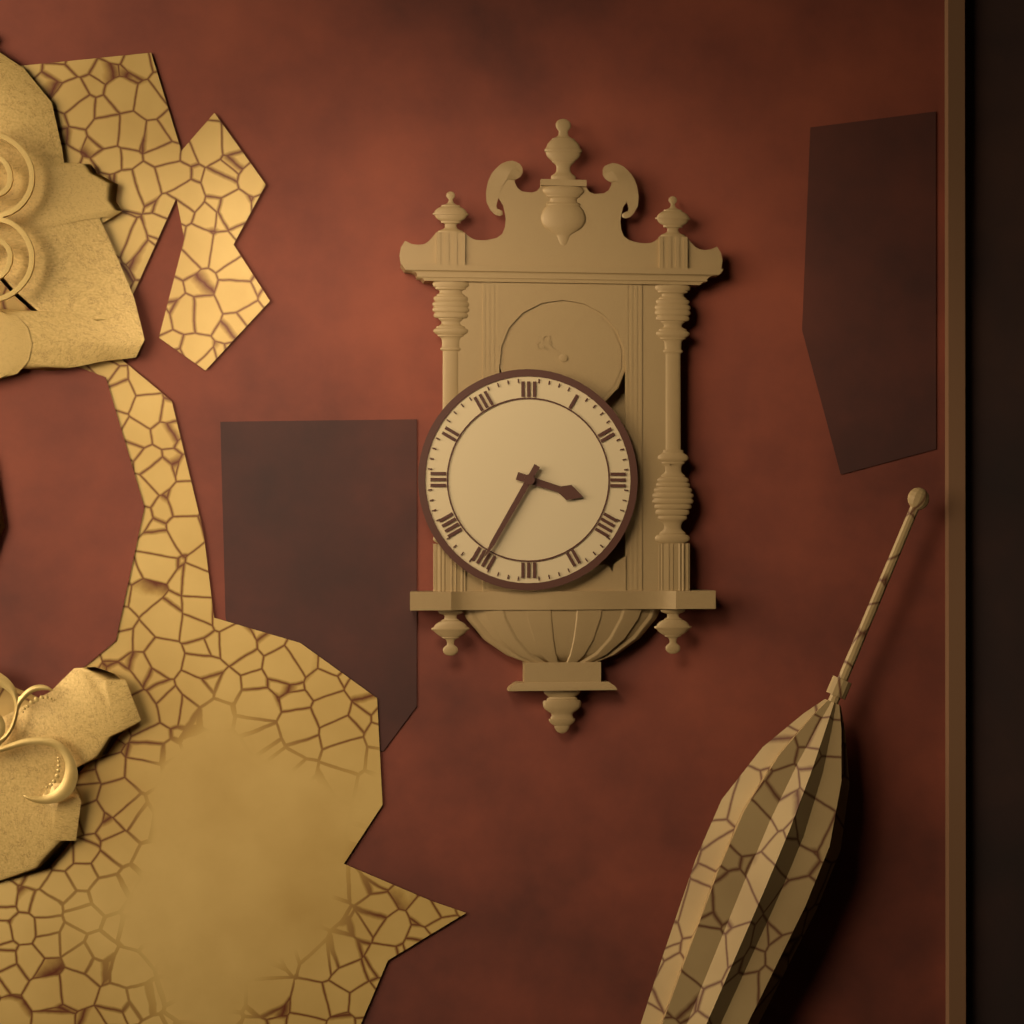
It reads {"hour": 3, "minute": 35}
